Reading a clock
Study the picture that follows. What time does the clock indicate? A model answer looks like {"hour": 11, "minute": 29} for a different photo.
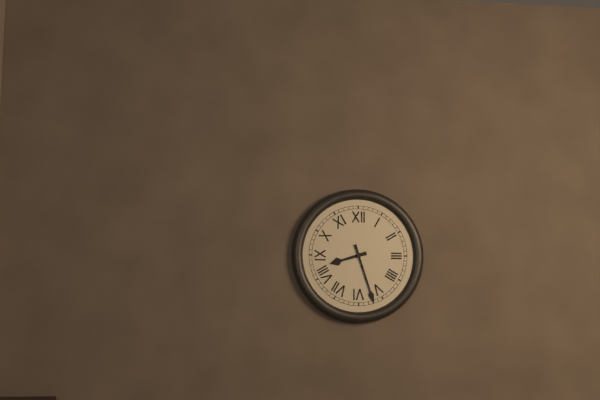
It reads {"hour": 8, "minute": 27}
